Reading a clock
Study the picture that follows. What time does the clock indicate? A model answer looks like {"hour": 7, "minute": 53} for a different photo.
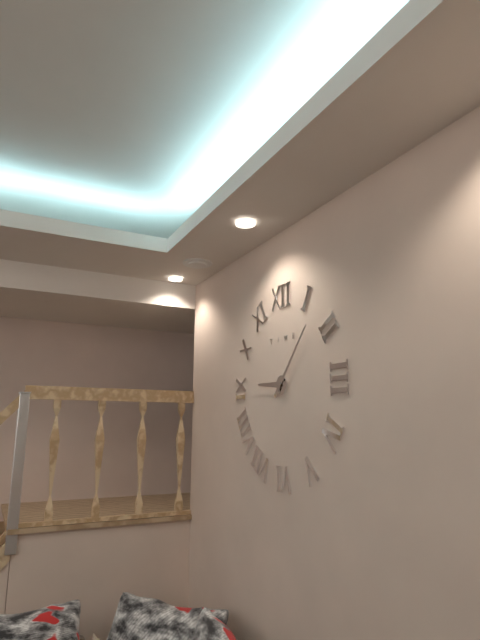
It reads {"hour": 9, "minute": 7}
